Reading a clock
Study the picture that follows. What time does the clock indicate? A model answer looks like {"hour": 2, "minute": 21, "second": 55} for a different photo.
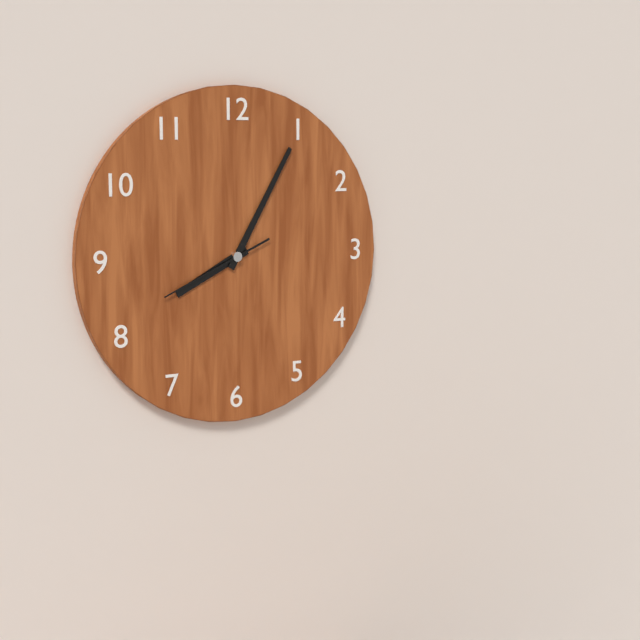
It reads {"hour": 8, "minute": 5, "second": 41}
